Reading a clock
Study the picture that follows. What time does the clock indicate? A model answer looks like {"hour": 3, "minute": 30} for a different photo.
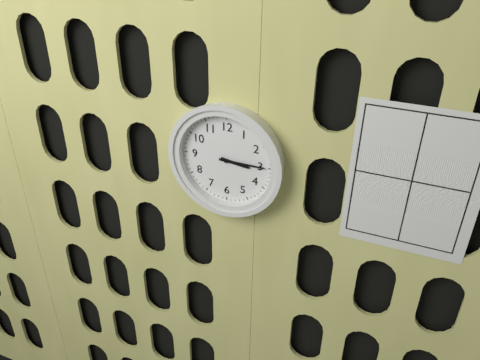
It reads {"hour": 3, "minute": 15}
